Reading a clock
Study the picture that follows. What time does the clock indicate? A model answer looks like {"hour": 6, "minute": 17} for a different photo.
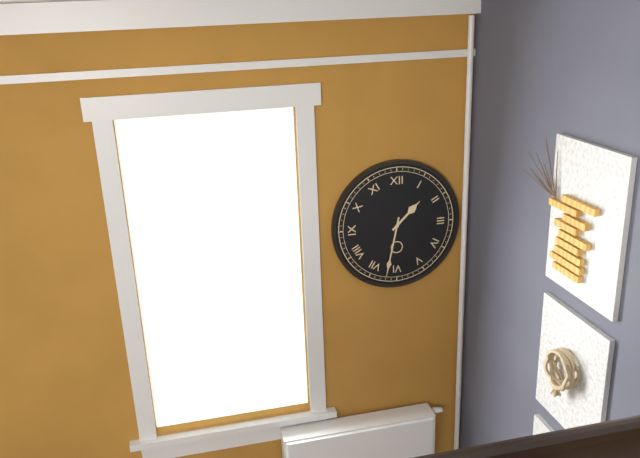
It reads {"hour": 1, "minute": 32}
